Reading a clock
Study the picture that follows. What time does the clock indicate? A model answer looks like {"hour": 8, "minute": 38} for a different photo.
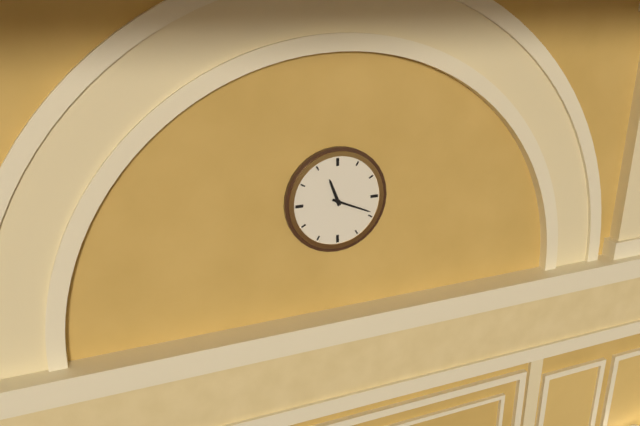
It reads {"hour": 11, "minute": 19}
